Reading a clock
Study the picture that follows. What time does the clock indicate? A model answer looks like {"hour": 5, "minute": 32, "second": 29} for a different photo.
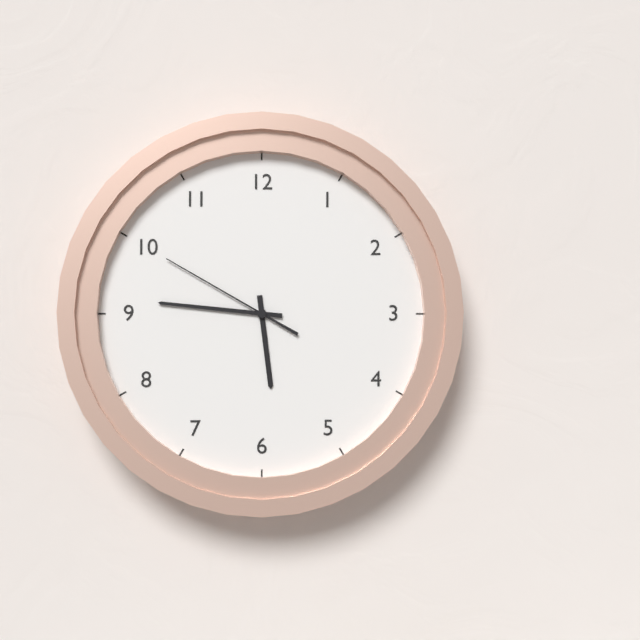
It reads {"hour": 5, "minute": 46, "second": 50}
